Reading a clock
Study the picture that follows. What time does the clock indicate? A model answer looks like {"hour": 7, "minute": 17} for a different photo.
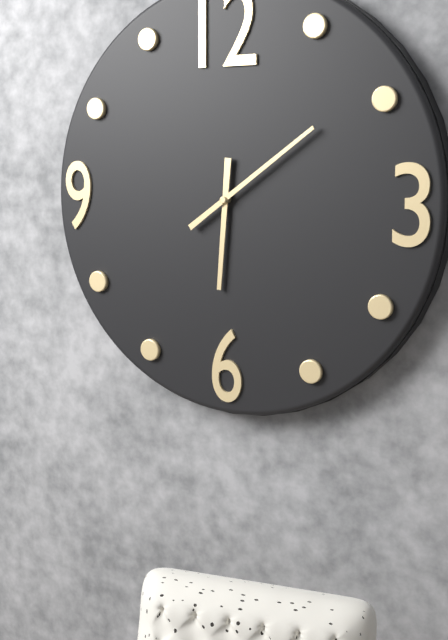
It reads {"hour": 6, "minute": 9}
